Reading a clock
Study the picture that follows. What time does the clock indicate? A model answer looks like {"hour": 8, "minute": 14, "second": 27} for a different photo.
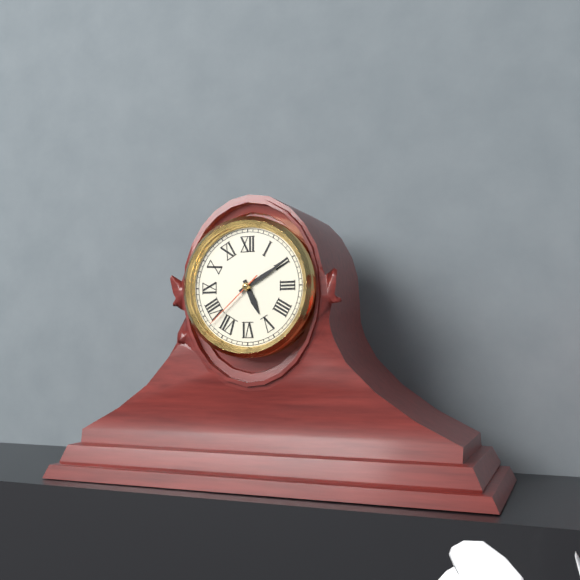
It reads {"hour": 5, "minute": 10, "second": 38}
